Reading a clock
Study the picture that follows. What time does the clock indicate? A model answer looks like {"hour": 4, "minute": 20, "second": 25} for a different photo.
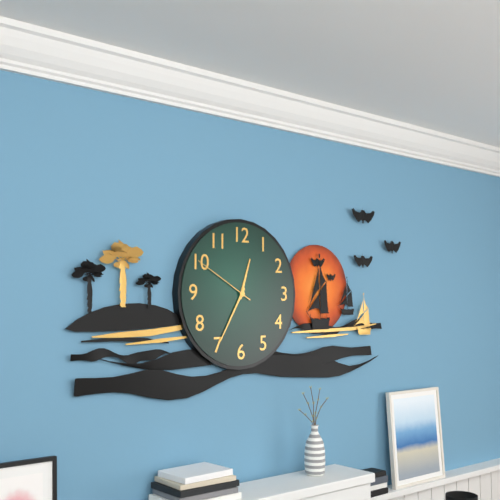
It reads {"hour": 12, "minute": 35, "second": 50}
